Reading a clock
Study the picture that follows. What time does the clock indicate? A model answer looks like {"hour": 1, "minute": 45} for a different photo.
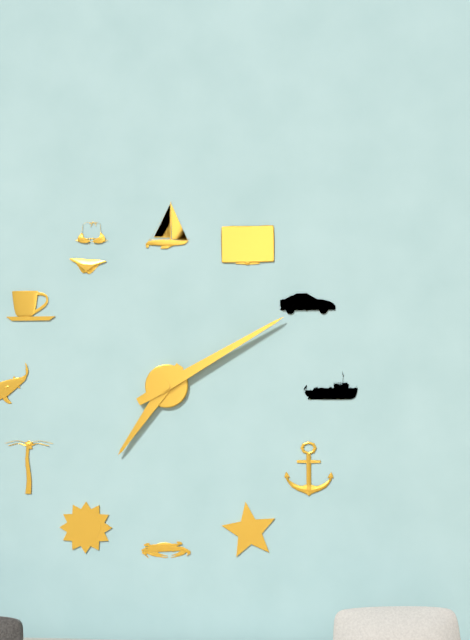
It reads {"hour": 7, "minute": 10}
